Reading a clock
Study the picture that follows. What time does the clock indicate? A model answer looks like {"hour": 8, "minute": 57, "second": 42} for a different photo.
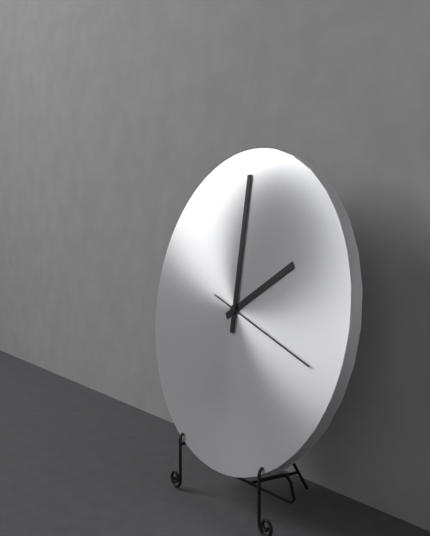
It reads {"hour": 2, "minute": 0, "second": 18}
